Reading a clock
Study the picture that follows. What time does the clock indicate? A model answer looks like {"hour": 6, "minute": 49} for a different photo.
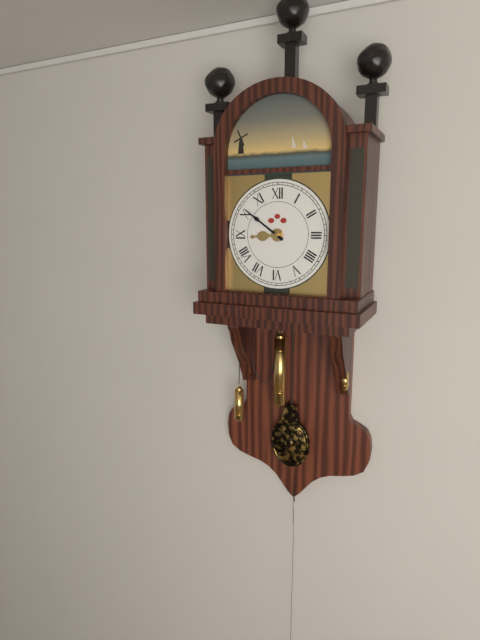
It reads {"hour": 8, "minute": 51}
